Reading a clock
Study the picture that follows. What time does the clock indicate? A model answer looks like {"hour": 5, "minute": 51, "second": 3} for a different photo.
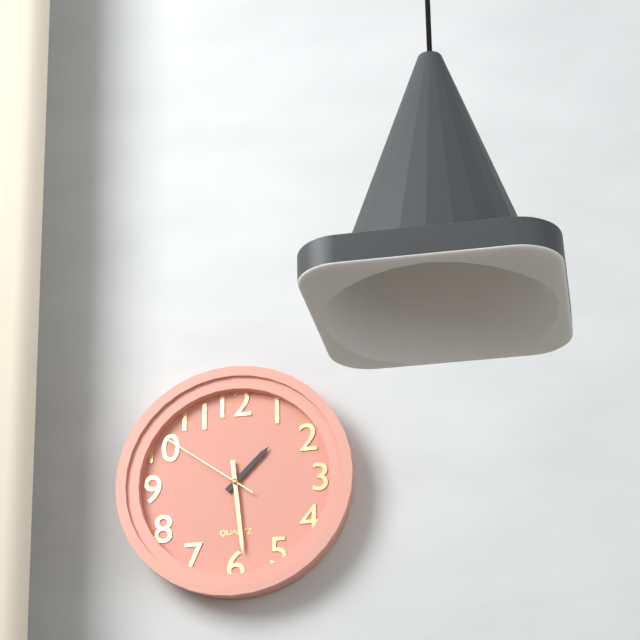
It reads {"hour": 1, "minute": 29, "second": 51}
